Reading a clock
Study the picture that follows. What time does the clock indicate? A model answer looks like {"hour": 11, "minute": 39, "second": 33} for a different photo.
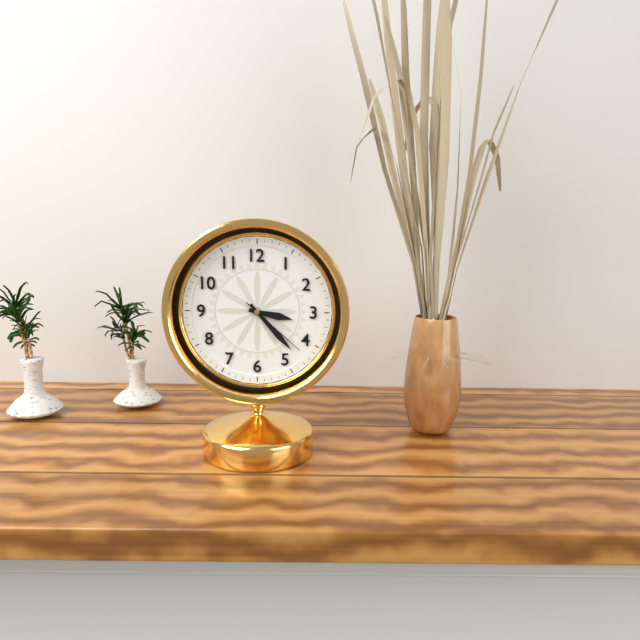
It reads {"hour": 3, "minute": 23, "second": 22}
